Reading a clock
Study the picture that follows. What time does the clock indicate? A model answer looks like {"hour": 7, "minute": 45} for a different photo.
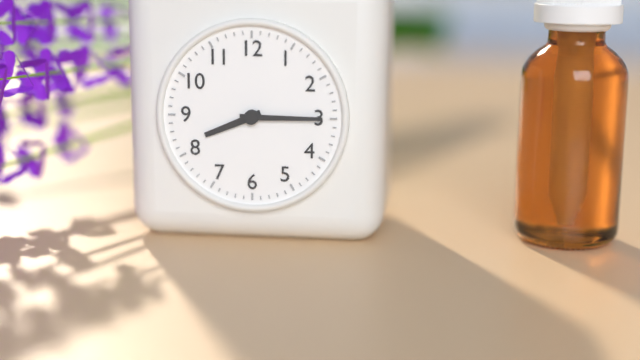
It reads {"hour": 8, "minute": 15}
